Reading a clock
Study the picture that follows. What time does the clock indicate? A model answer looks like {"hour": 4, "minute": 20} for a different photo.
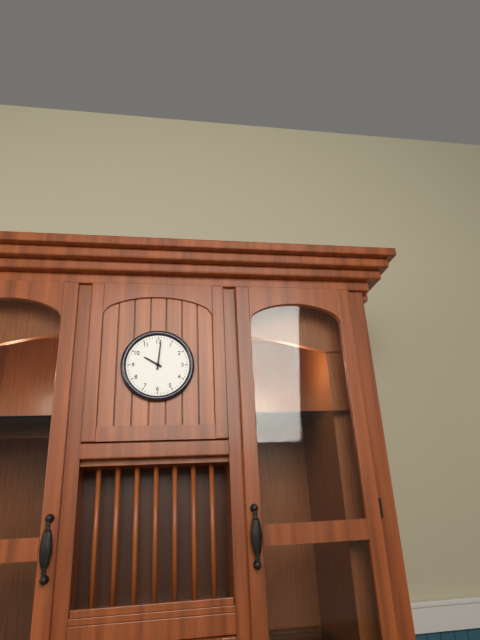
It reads {"hour": 10, "minute": 1}
